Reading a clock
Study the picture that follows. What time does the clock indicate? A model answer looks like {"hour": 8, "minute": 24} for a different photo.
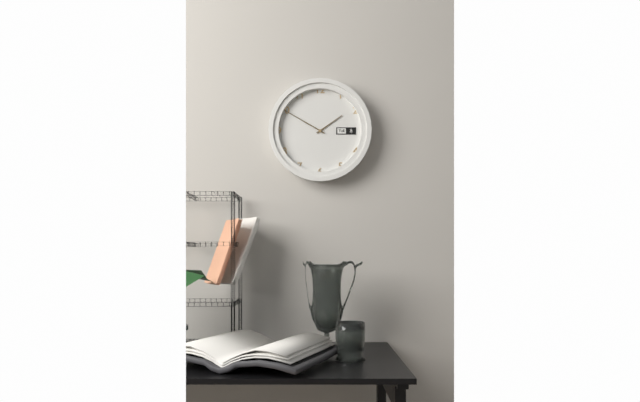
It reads {"hour": 1, "minute": 50}
